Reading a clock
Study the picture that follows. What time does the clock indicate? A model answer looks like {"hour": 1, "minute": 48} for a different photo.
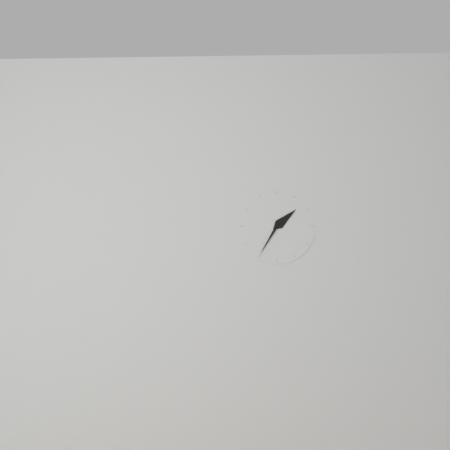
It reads {"hour": 1, "minute": 35}
